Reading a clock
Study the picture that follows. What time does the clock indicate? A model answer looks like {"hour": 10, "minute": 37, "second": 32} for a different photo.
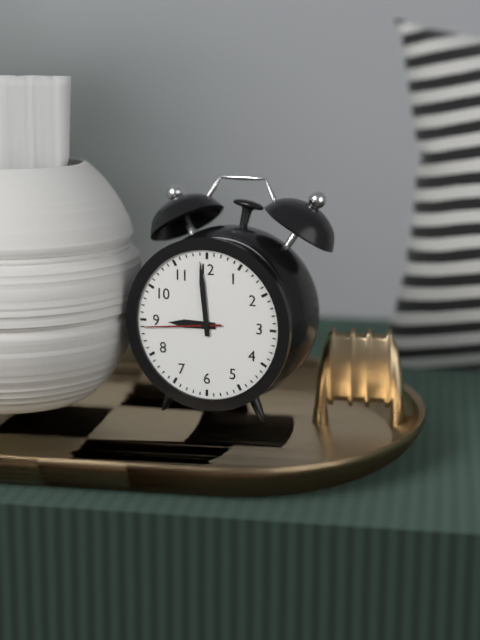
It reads {"hour": 8, "minute": 59, "second": 44}
